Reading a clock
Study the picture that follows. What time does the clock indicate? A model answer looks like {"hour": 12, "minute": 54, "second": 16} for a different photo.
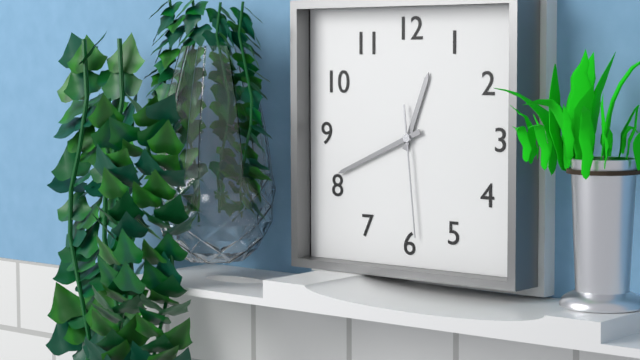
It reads {"hour": 12, "minute": 41, "second": 29}
